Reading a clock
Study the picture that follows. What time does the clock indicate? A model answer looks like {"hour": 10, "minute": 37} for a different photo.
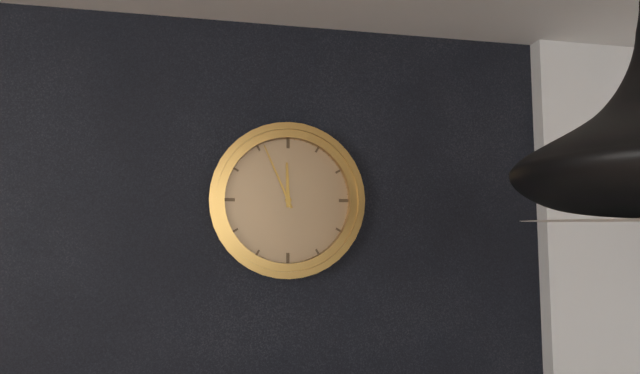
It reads {"hour": 11, "minute": 56}
